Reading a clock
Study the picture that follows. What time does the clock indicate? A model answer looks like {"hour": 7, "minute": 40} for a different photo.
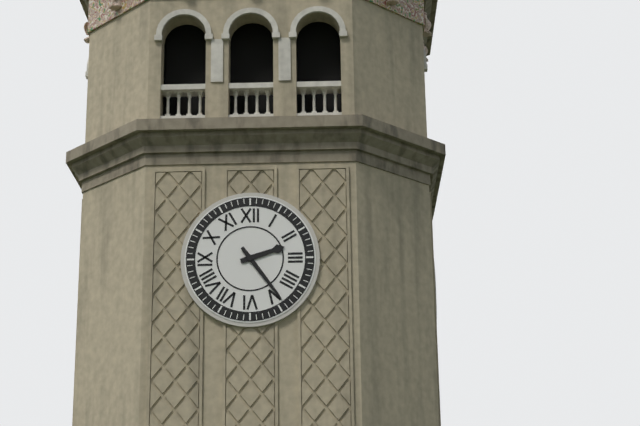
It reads {"hour": 2, "minute": 24}
